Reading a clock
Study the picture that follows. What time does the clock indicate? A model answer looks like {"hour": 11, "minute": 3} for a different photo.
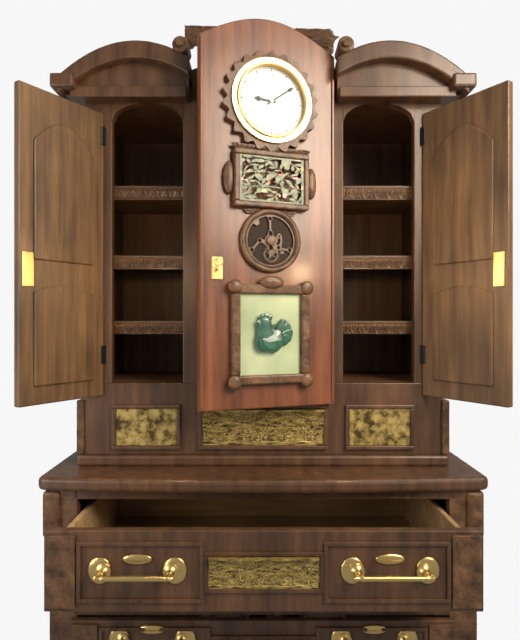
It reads {"hour": 9, "minute": 9}
